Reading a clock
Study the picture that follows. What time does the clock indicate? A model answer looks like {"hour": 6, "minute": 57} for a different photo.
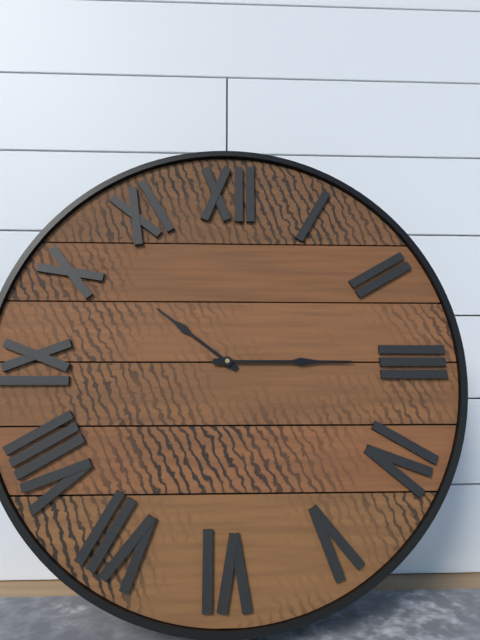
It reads {"hour": 10, "minute": 15}
